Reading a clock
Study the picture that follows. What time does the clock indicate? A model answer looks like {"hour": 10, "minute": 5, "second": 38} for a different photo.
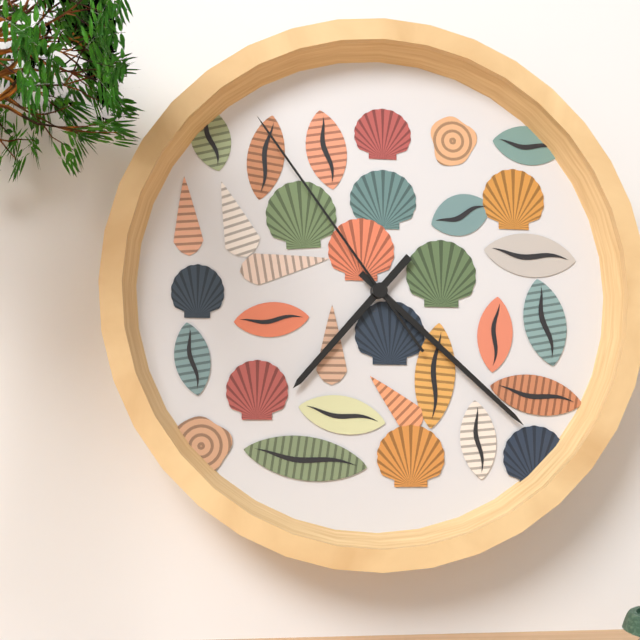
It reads {"hour": 7, "minute": 22, "second": 54}
